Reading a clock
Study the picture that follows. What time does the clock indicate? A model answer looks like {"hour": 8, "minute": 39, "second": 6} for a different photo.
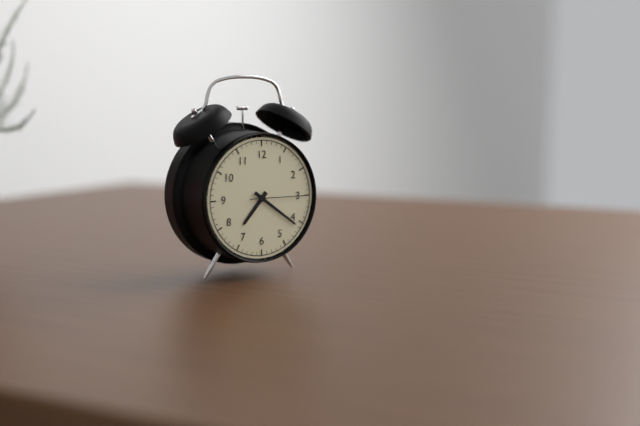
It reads {"hour": 7, "minute": 21, "second": 15}
